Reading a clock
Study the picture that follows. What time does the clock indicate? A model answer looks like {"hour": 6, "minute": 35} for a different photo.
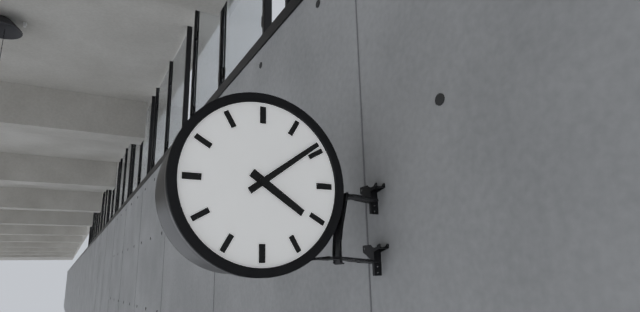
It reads {"hour": 4, "minute": 9}
